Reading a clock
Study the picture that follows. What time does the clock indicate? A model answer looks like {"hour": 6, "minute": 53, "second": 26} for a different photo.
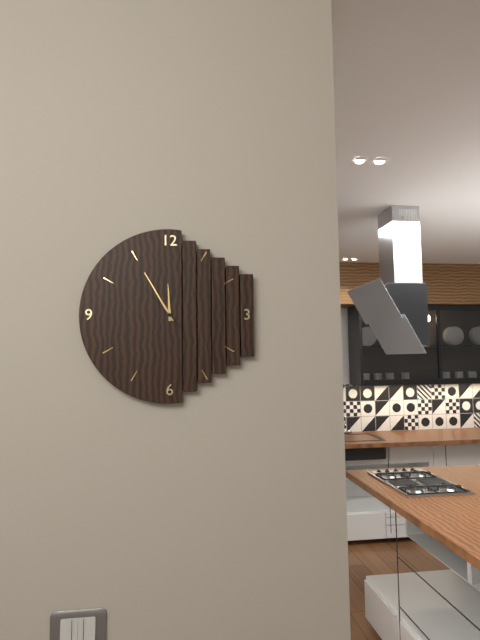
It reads {"hour": 11, "minute": 55, "second": 53}
